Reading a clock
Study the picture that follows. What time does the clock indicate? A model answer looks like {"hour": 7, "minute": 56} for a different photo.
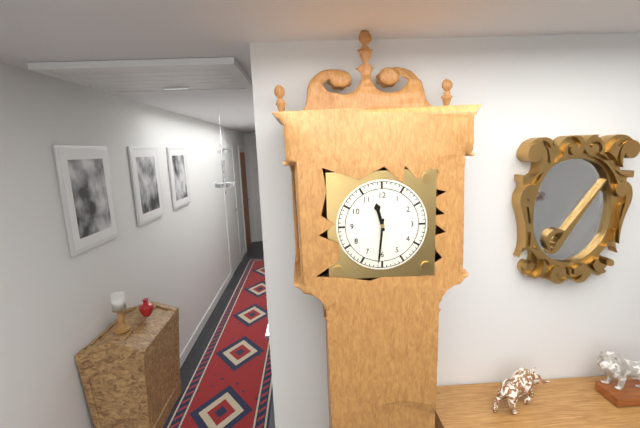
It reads {"hour": 11, "minute": 31}
